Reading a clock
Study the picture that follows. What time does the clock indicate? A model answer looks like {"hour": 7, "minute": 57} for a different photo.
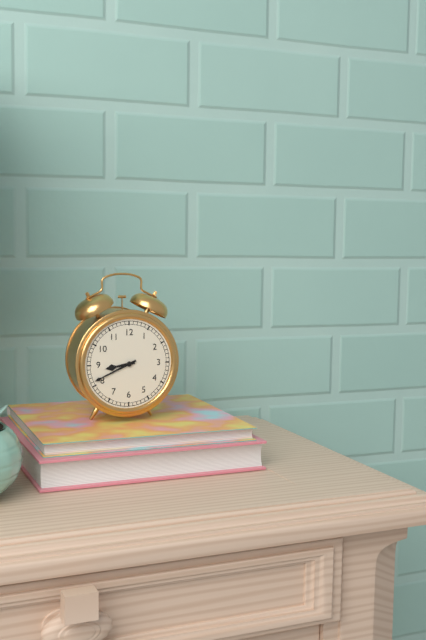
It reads {"hour": 8, "minute": 41}
